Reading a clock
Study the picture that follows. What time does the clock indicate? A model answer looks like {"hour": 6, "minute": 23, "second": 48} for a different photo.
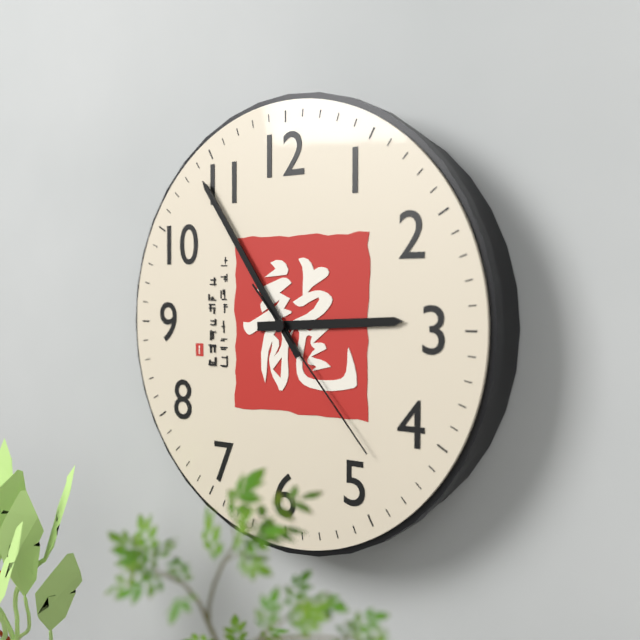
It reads {"hour": 2, "minute": 54, "second": 23}
